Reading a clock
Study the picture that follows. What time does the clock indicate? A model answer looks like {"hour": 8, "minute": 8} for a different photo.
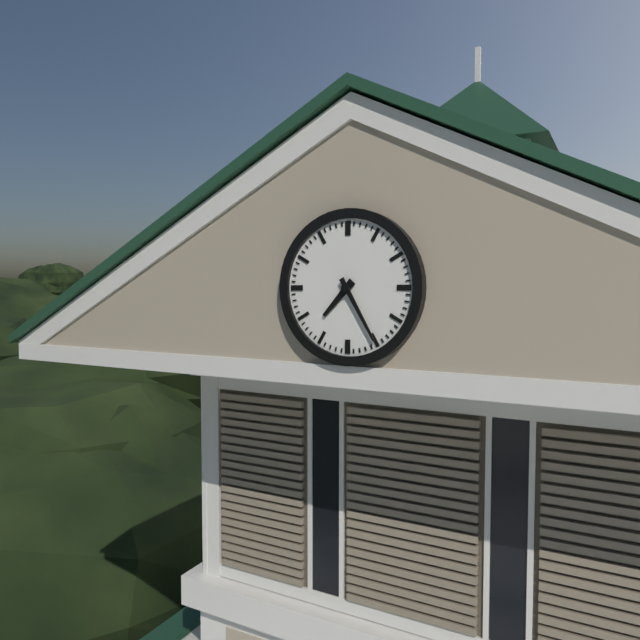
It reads {"hour": 7, "minute": 25}
